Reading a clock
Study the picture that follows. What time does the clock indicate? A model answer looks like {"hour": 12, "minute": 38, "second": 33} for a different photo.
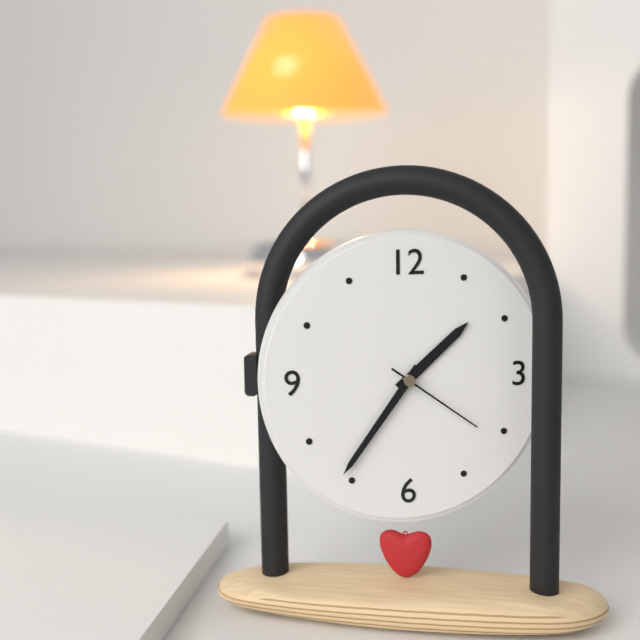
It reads {"hour": 1, "minute": 36, "second": 21}
